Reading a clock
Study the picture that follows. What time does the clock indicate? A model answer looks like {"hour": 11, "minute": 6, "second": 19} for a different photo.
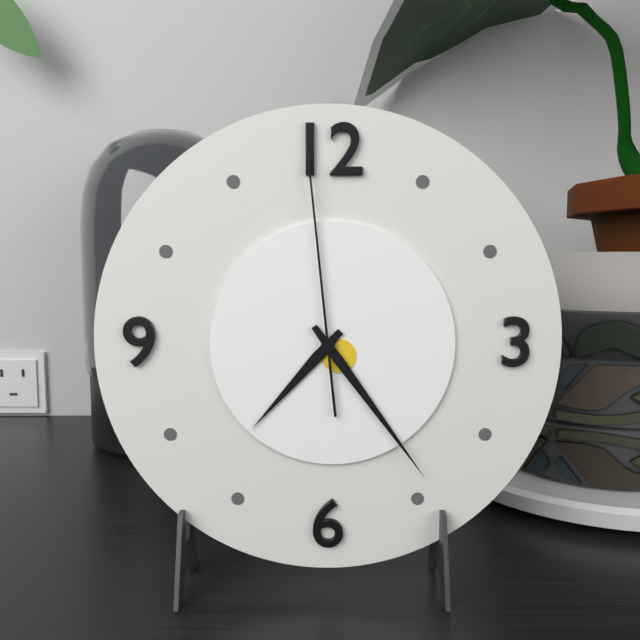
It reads {"hour": 7, "minute": 24, "second": 59}
